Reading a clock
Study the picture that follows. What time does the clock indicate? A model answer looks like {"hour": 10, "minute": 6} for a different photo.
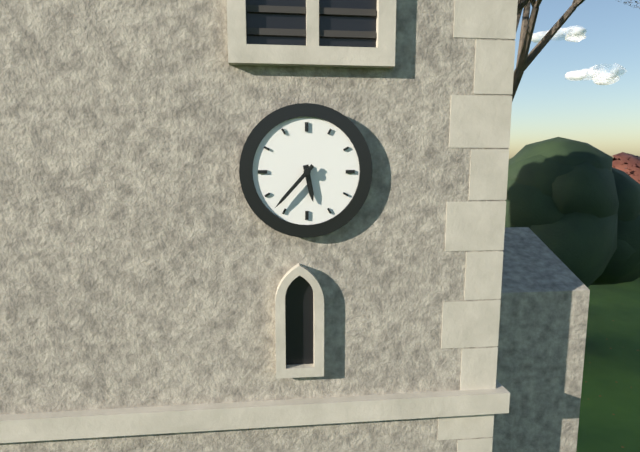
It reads {"hour": 5, "minute": 37}
